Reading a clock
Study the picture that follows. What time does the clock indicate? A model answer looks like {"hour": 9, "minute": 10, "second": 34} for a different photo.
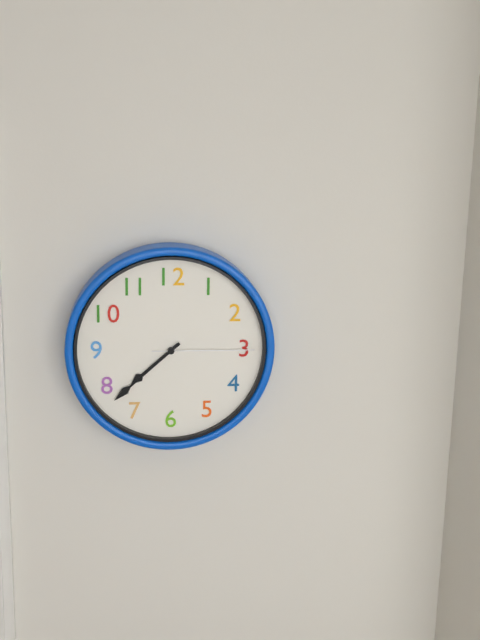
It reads {"hour": 7, "minute": 38, "second": 15}
